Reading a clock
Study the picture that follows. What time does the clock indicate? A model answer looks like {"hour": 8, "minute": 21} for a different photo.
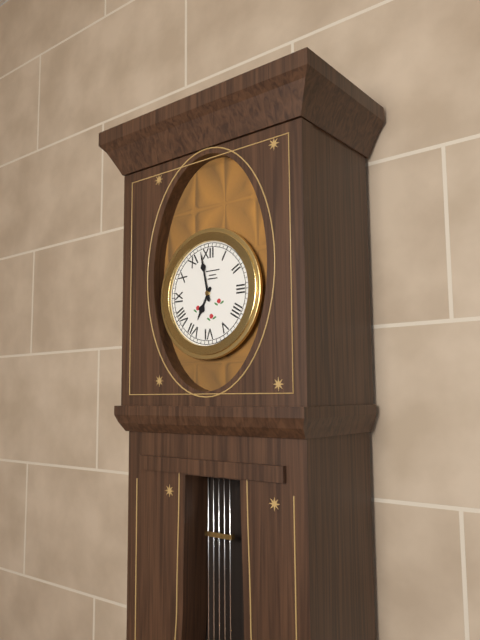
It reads {"hour": 6, "minute": 58}
